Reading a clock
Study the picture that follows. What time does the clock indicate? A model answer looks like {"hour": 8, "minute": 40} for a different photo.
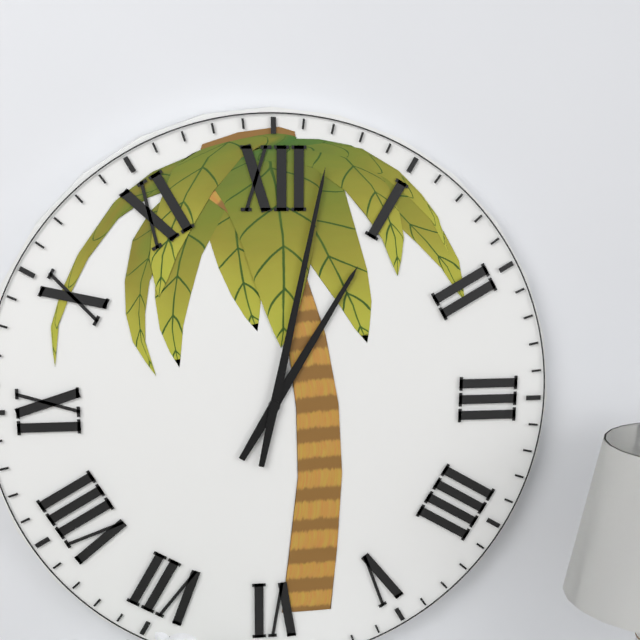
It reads {"hour": 1, "minute": 2}
